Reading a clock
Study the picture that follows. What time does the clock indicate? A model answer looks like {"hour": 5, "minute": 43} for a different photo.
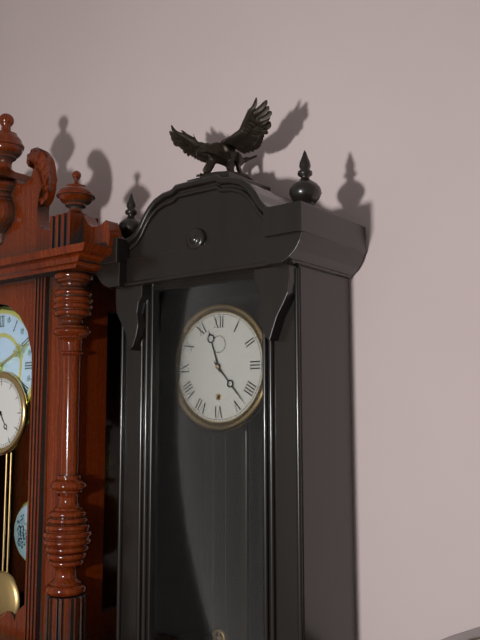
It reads {"hour": 11, "minute": 23}
